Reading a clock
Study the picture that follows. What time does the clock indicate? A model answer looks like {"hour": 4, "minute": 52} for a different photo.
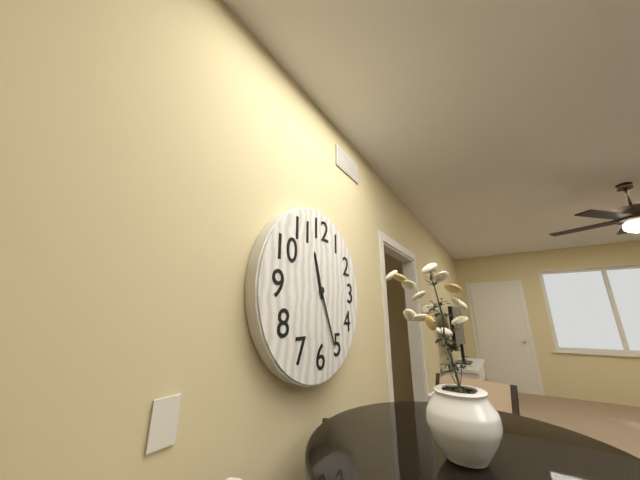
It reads {"hour": 11, "minute": 26}
